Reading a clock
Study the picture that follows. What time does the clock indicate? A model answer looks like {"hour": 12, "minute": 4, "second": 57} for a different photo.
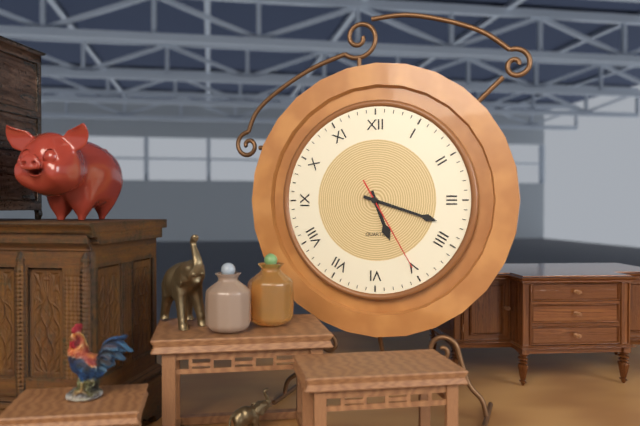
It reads {"hour": 5, "minute": 18, "second": 25}
